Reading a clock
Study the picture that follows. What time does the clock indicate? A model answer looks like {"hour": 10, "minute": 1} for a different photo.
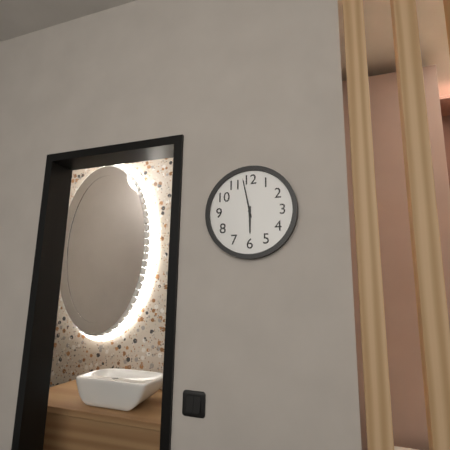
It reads {"hour": 5, "minute": 58}
